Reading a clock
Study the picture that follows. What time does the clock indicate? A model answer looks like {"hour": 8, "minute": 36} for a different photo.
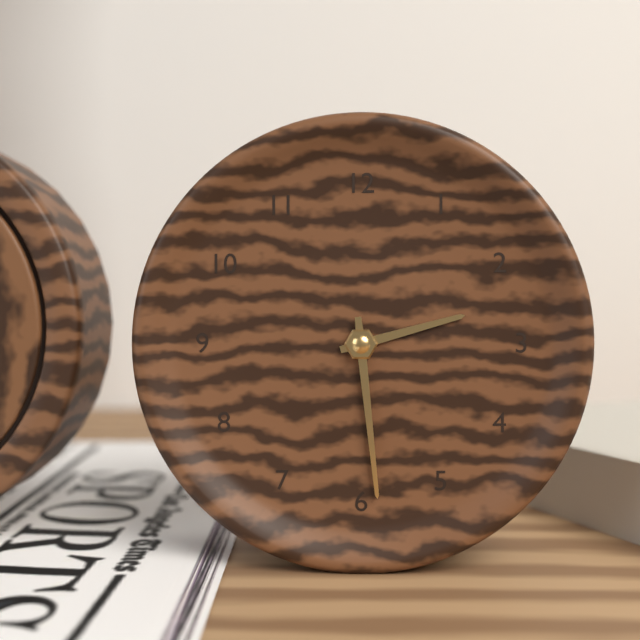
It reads {"hour": 2, "minute": 29}
